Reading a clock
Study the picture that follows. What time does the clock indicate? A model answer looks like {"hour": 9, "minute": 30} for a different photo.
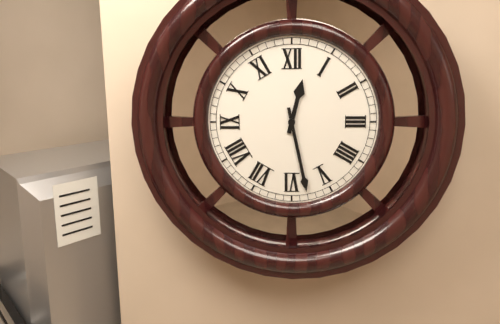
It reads {"hour": 12, "minute": 28}
